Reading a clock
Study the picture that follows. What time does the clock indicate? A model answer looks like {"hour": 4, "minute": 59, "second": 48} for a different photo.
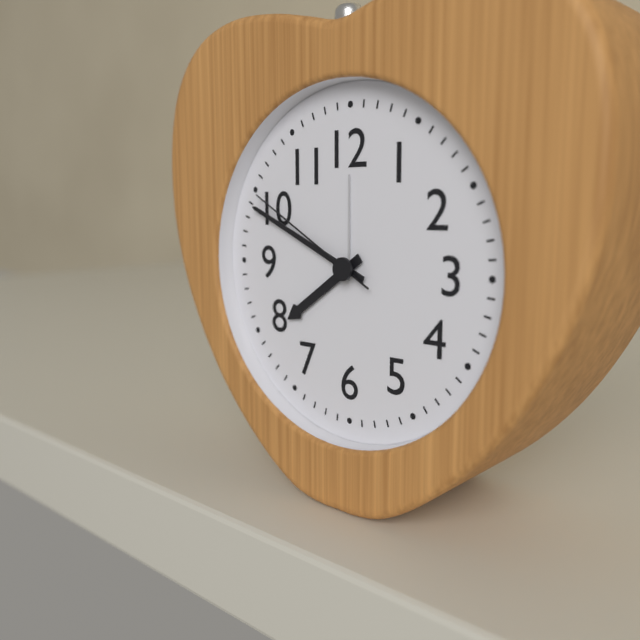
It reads {"hour": 7, "minute": 49, "second": 50}
